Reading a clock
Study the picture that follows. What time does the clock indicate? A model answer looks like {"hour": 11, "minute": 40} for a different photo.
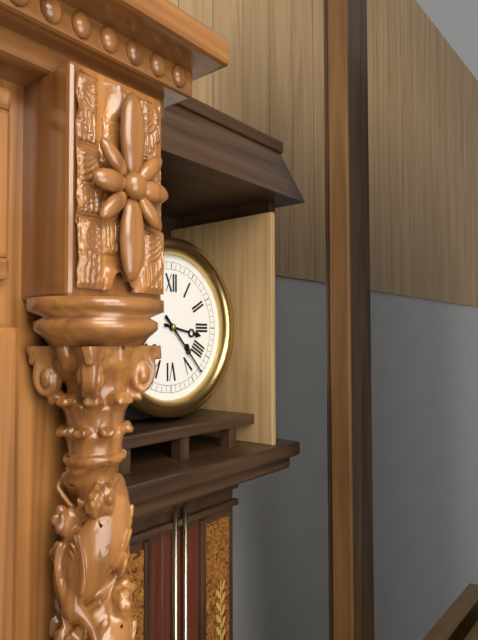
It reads {"hour": 3, "minute": 23}
